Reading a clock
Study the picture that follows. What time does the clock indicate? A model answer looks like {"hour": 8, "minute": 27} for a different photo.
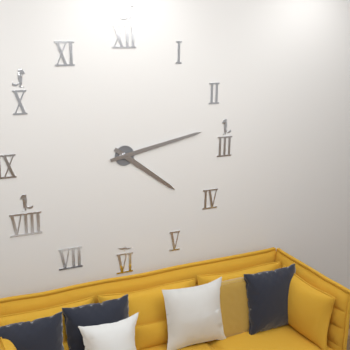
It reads {"hour": 4, "minute": 13}
